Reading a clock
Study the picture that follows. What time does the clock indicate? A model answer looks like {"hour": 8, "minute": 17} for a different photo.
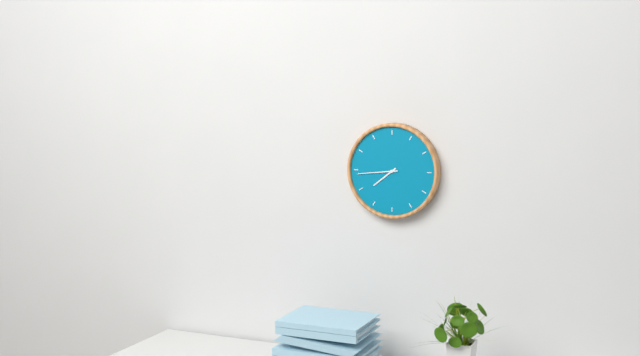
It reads {"hour": 7, "minute": 44}
